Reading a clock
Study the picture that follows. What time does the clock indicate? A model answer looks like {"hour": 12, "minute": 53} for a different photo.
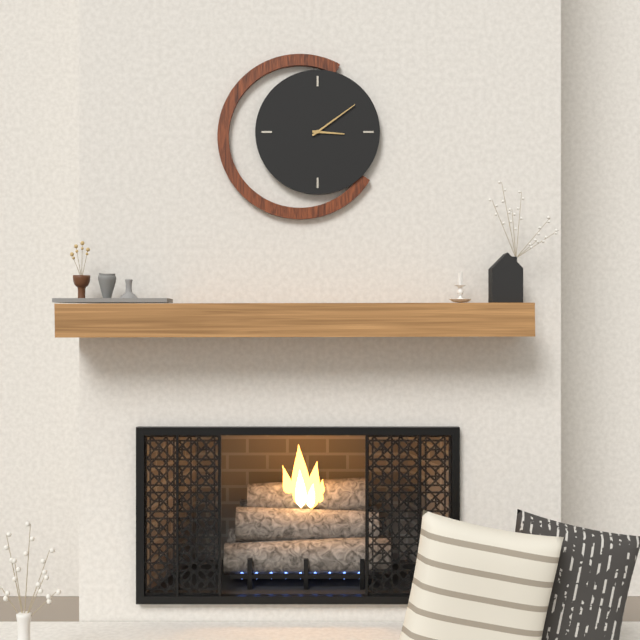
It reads {"hour": 3, "minute": 9}
